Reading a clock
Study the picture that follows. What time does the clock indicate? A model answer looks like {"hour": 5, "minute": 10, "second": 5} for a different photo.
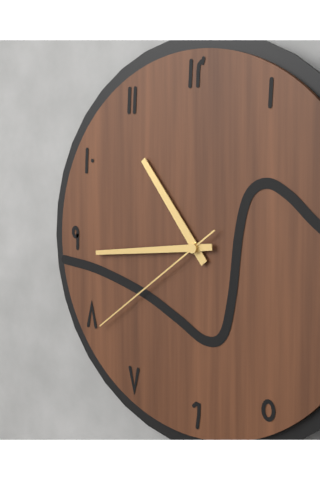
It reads {"hour": 10, "minute": 44, "second": 39}
